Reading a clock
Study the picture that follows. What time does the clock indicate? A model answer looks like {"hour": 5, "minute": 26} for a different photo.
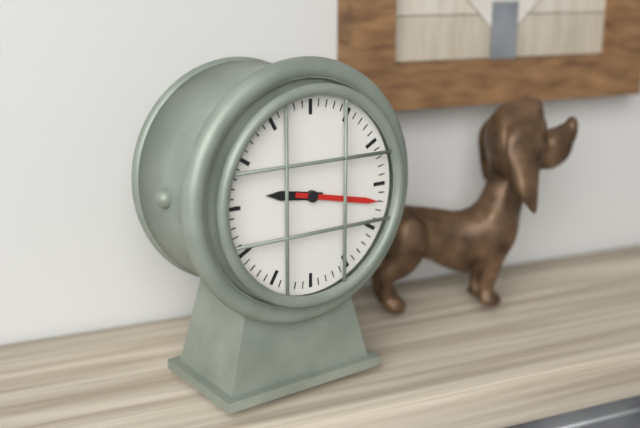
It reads {"hour": 9, "minute": 17}
